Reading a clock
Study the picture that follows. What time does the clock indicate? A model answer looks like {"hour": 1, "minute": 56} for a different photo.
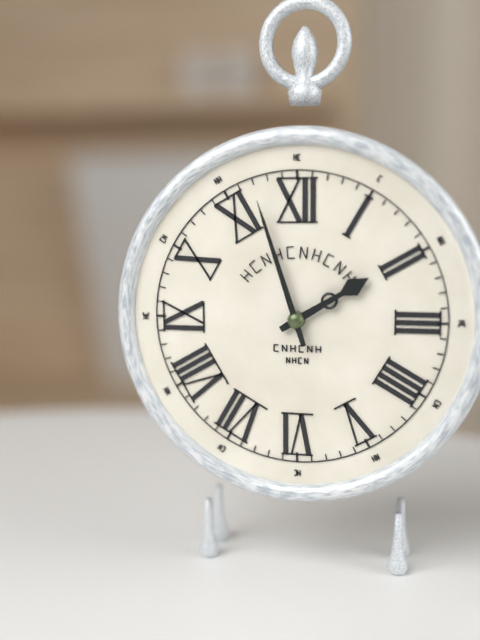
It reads {"hour": 1, "minute": 57}
